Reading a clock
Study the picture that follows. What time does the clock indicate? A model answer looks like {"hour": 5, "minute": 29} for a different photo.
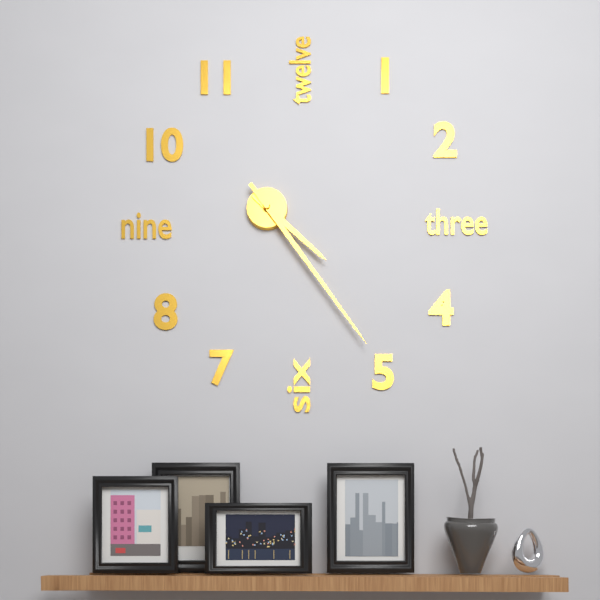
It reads {"hour": 4, "minute": 24}
